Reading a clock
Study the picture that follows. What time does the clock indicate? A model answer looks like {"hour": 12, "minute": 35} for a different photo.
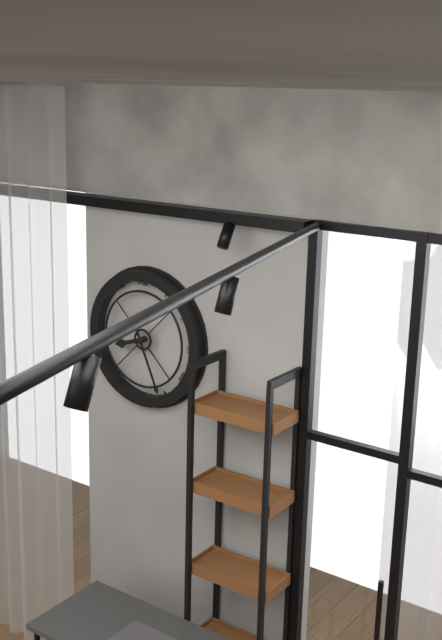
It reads {"hour": 8, "minute": 26}
